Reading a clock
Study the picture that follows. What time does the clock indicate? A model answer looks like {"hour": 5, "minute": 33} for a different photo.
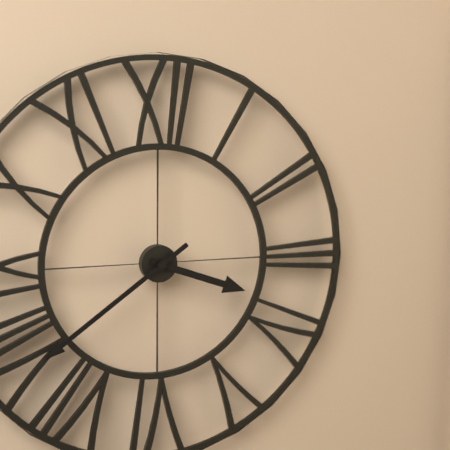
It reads {"hour": 3, "minute": 39}
